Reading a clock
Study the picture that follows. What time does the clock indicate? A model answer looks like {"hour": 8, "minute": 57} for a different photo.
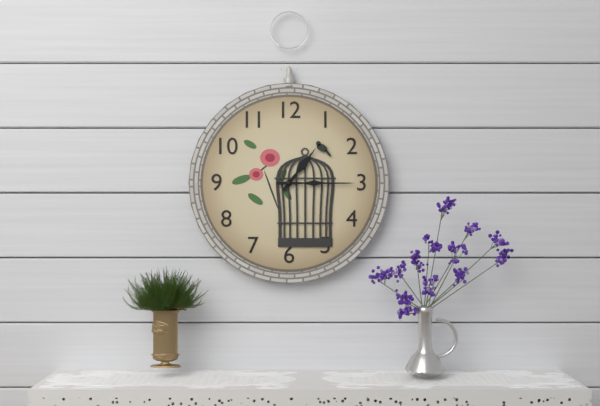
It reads {"hour": 1, "minute": 15}
